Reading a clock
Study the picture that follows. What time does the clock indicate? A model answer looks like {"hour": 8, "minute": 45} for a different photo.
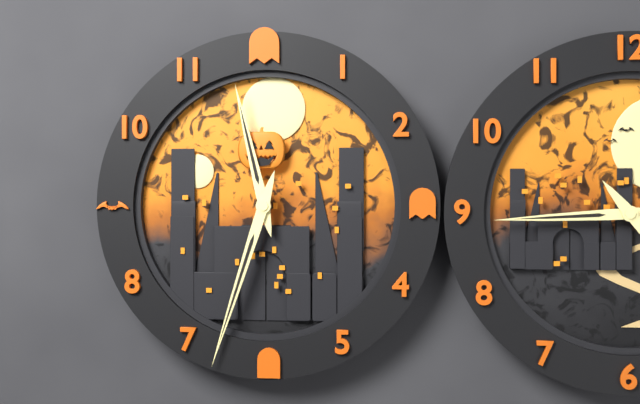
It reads {"hour": 11, "minute": 33}
